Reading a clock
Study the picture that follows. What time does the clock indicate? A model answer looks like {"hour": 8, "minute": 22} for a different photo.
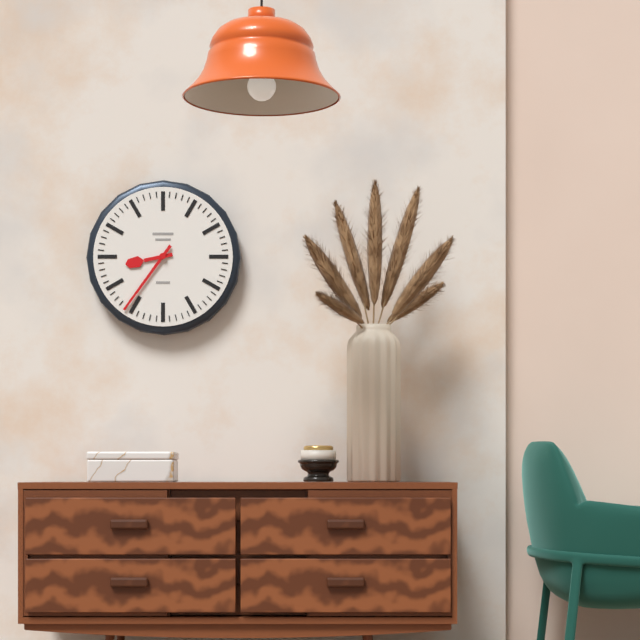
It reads {"hour": 8, "minute": 36}
